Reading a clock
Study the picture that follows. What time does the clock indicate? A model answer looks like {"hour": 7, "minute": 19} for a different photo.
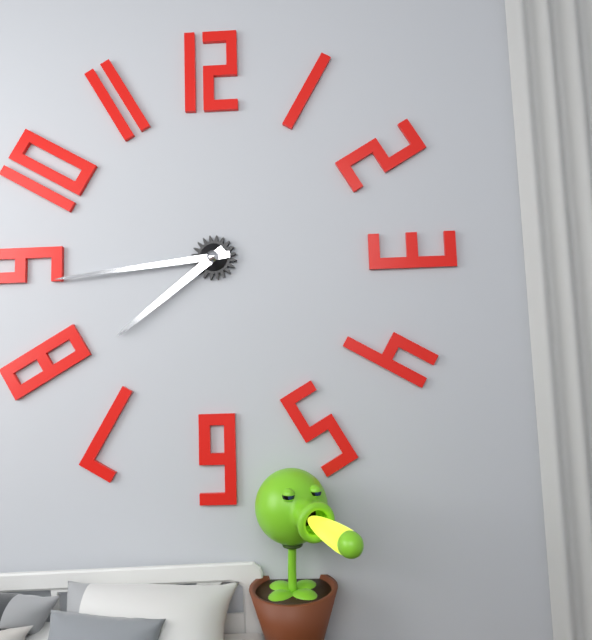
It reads {"hour": 7, "minute": 44}
